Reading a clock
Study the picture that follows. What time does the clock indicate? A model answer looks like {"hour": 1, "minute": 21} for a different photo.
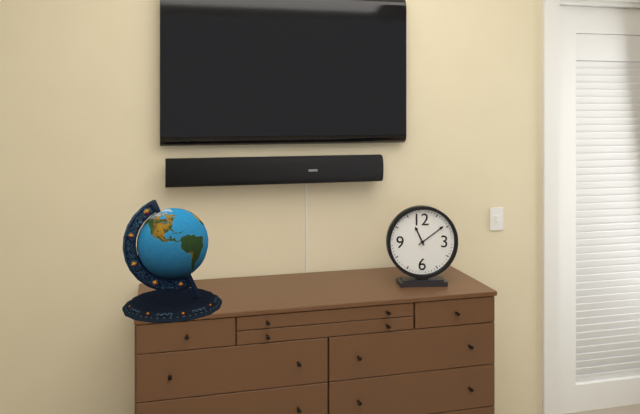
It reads {"hour": 11, "minute": 9}
